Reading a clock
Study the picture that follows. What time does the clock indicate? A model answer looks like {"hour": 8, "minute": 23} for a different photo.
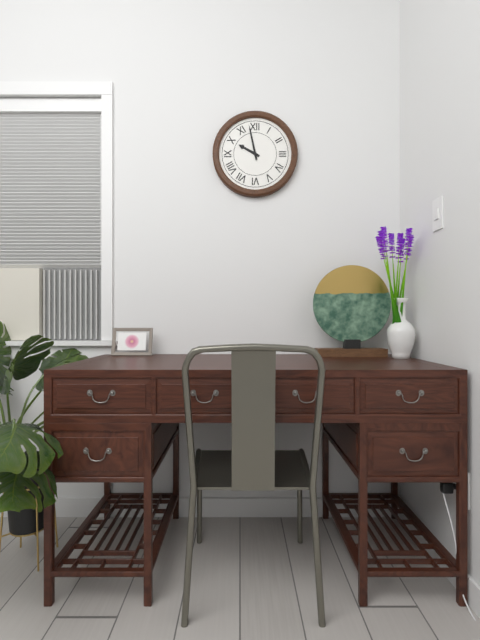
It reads {"hour": 9, "minute": 58}
